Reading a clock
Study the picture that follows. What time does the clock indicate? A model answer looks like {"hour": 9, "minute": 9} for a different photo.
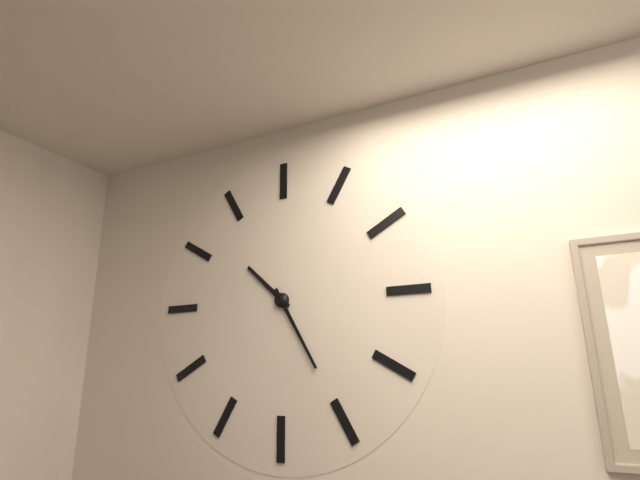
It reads {"hour": 10, "minute": 25}
